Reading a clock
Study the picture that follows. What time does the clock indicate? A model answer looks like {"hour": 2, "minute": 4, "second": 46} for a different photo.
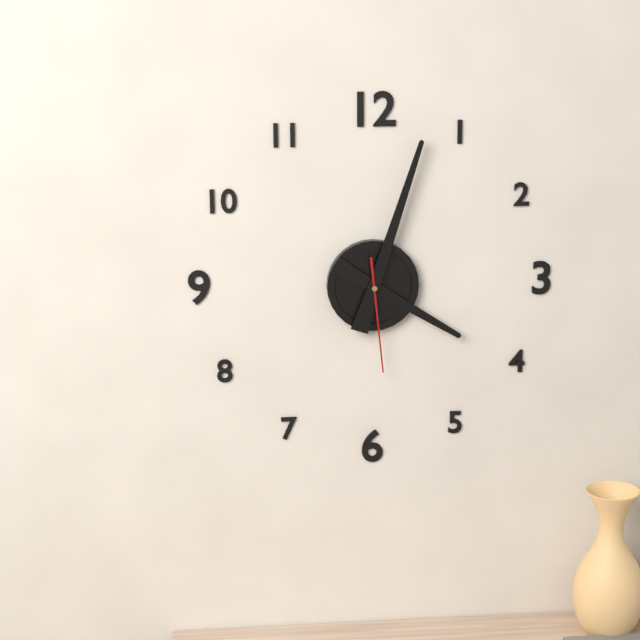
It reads {"hour": 4, "minute": 3, "second": 29}
